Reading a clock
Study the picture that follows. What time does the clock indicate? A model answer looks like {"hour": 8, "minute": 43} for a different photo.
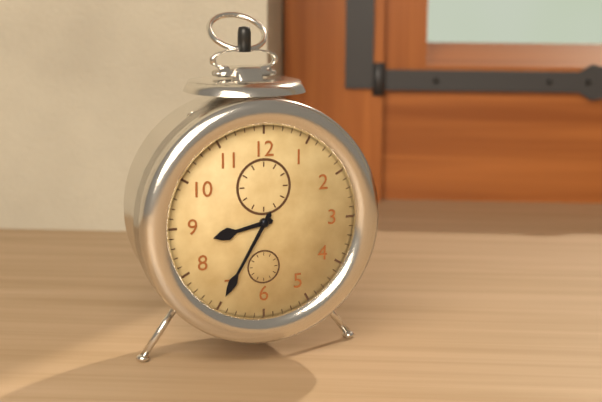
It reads {"hour": 8, "minute": 35}
